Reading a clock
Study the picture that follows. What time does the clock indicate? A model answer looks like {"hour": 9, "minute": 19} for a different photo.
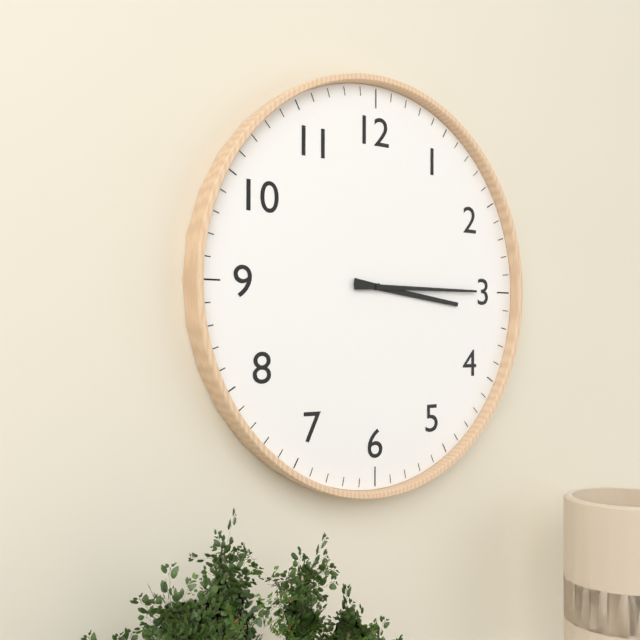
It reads {"hour": 3, "minute": 15}
